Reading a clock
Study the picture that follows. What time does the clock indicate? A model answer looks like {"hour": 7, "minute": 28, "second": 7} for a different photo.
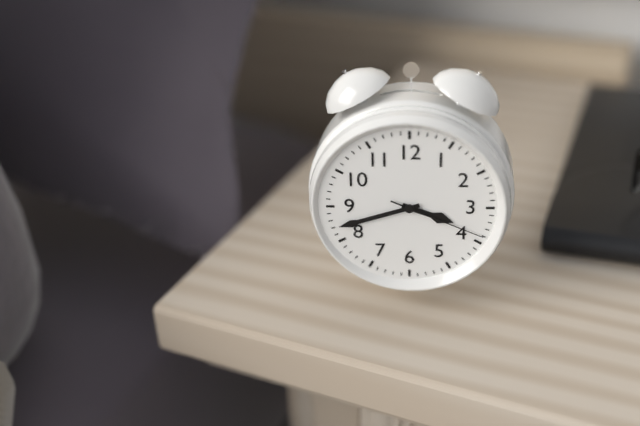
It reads {"hour": 3, "minute": 42, "second": 19}
